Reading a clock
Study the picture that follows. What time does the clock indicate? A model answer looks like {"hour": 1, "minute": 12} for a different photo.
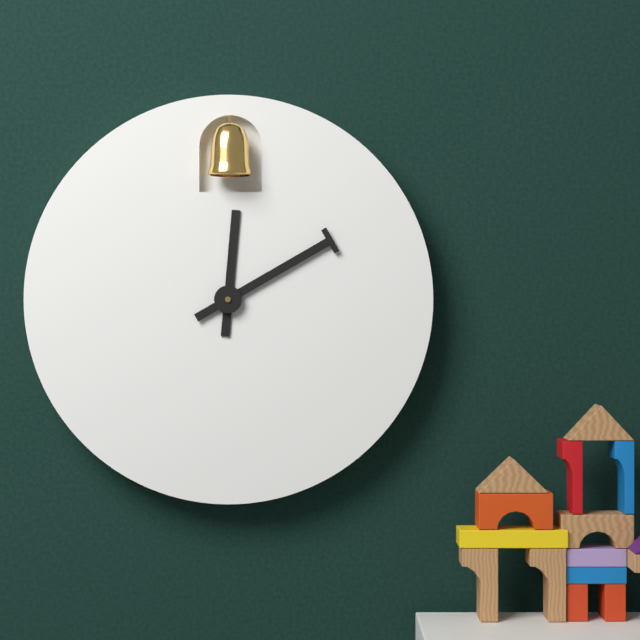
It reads {"hour": 12, "minute": 10}
